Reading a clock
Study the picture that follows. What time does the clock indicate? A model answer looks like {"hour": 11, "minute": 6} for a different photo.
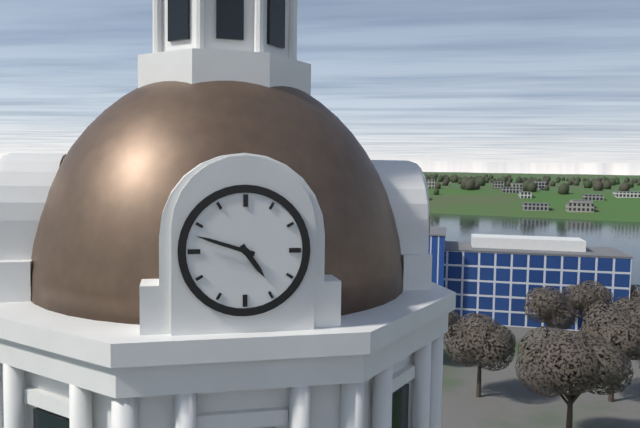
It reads {"hour": 4, "minute": 48}
